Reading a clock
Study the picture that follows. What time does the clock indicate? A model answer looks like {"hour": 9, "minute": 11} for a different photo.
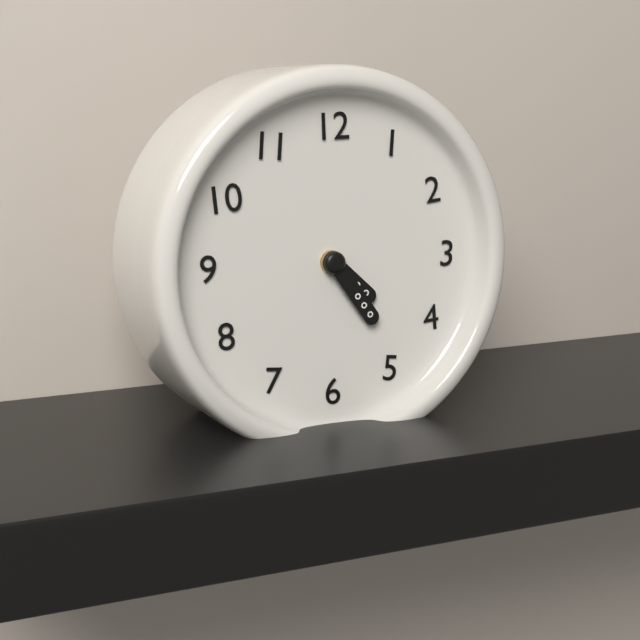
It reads {"hour": 4, "minute": 24}
